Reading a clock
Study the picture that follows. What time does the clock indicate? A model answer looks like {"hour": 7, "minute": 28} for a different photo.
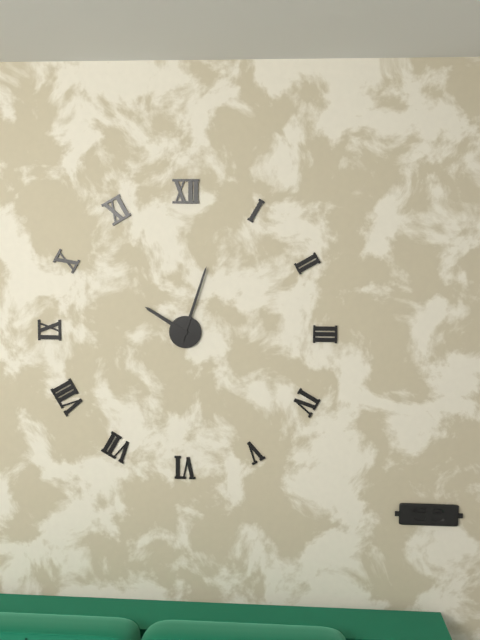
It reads {"hour": 10, "minute": 3}
